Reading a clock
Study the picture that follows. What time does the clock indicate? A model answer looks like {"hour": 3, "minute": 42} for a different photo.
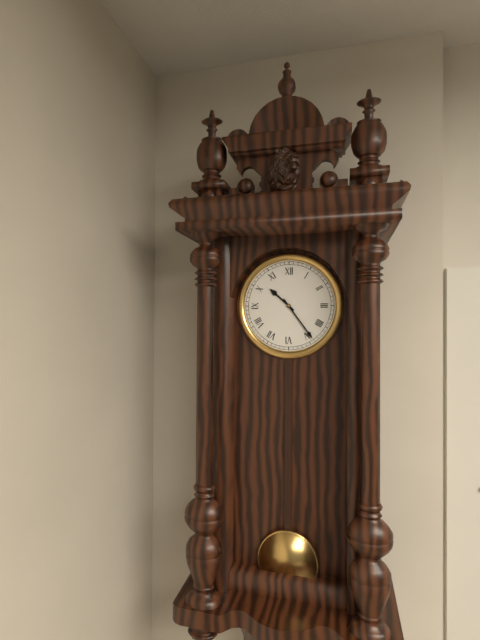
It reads {"hour": 10, "minute": 24}
